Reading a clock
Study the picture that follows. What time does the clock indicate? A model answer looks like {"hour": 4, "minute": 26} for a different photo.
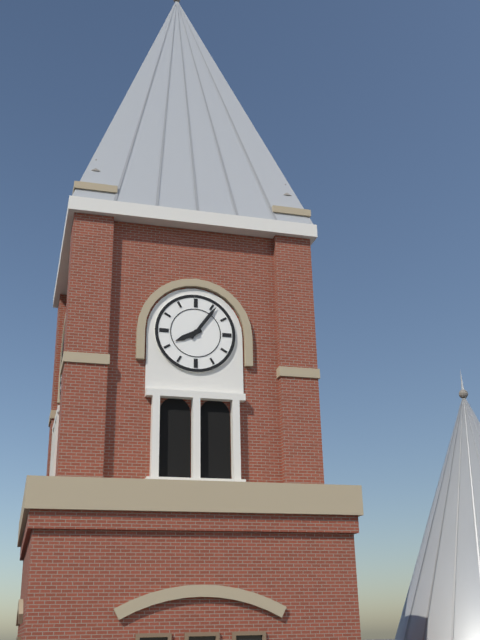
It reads {"hour": 8, "minute": 6}
